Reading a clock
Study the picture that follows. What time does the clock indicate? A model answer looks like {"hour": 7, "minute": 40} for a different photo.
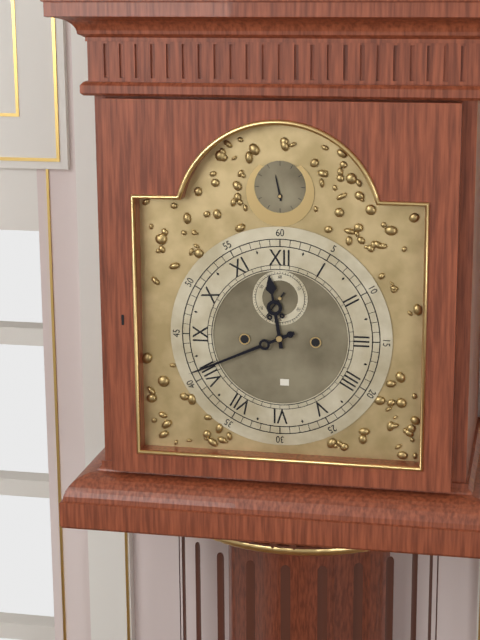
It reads {"hour": 11, "minute": 41}
